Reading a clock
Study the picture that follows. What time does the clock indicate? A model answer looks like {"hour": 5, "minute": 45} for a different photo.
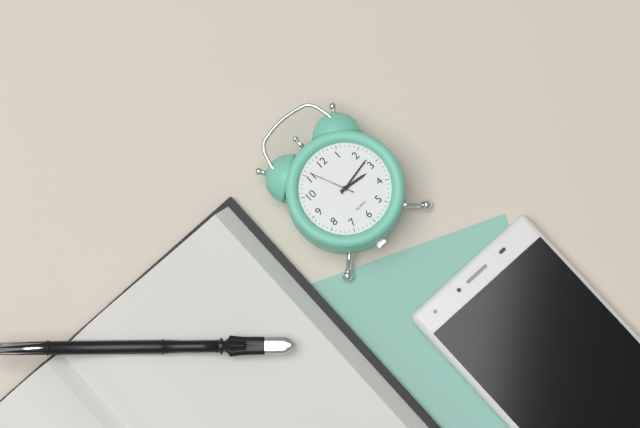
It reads {"hour": 3, "minute": 13}
